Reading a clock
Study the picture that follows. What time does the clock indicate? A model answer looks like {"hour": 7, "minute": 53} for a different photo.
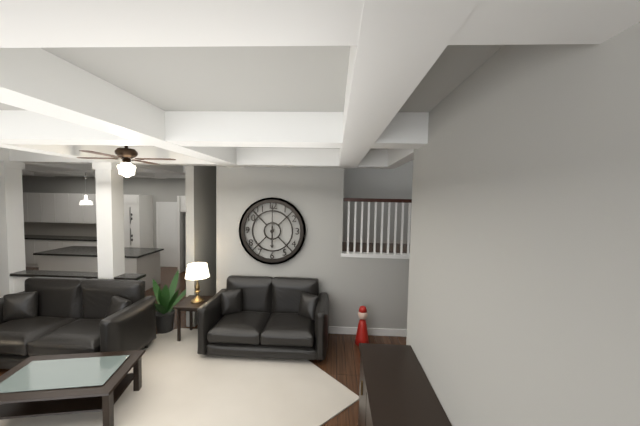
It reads {"hour": 6, "minute": 0}
